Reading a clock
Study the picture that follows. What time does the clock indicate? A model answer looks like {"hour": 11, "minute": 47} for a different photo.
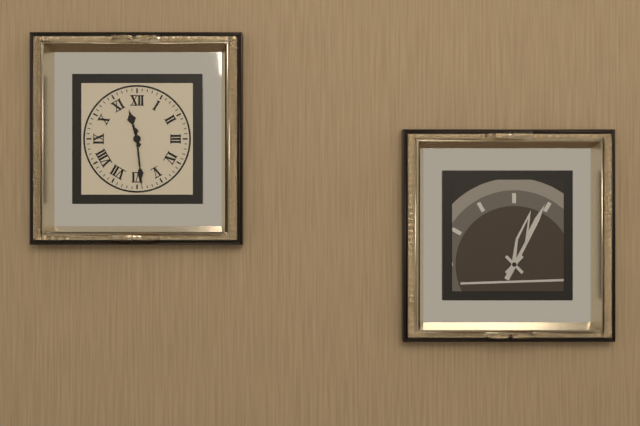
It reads {"hour": 11, "minute": 29}
